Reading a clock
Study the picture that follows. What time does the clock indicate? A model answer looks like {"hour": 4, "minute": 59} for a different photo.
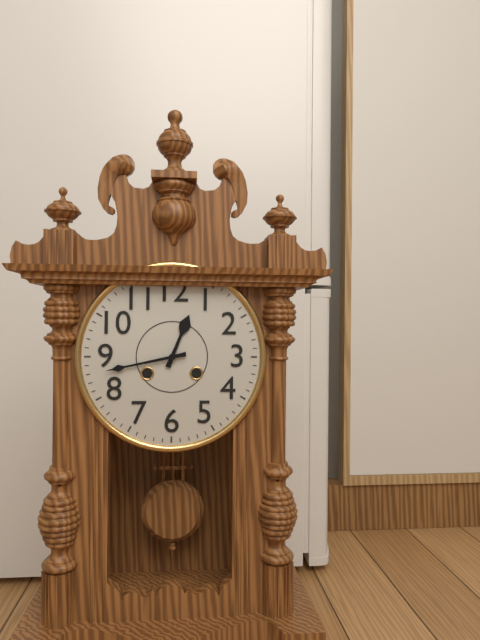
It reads {"hour": 12, "minute": 43}
